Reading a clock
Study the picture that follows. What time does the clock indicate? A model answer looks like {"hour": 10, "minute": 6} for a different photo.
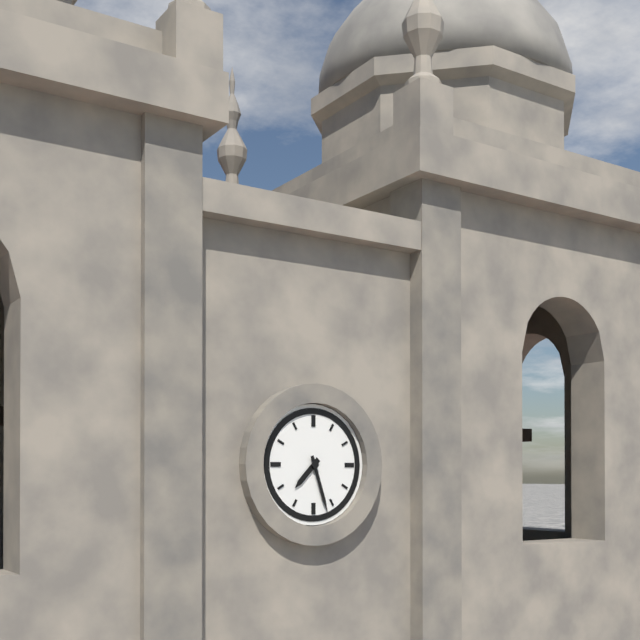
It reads {"hour": 7, "minute": 27}
